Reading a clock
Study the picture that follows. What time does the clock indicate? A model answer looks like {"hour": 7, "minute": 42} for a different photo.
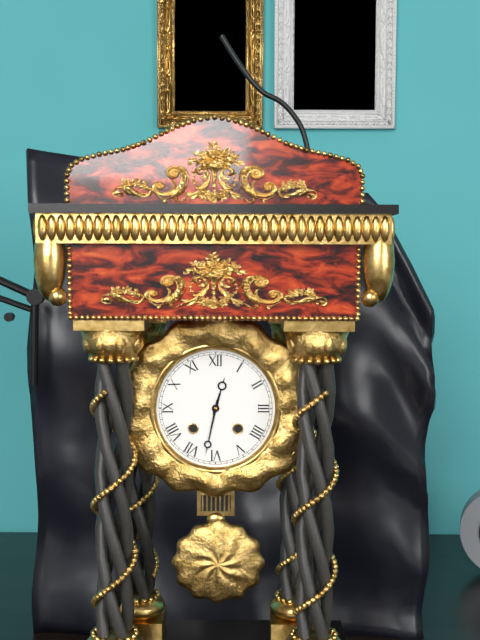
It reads {"hour": 12, "minute": 32}
